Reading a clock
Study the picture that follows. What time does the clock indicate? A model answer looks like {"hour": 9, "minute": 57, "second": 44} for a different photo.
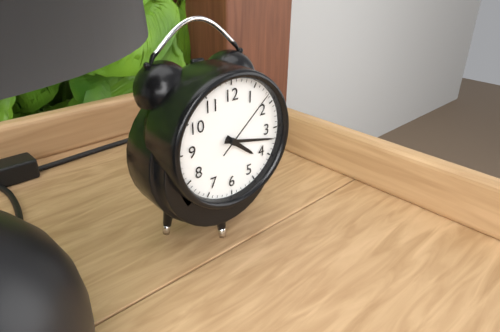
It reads {"hour": 4, "minute": 17, "second": 8}
